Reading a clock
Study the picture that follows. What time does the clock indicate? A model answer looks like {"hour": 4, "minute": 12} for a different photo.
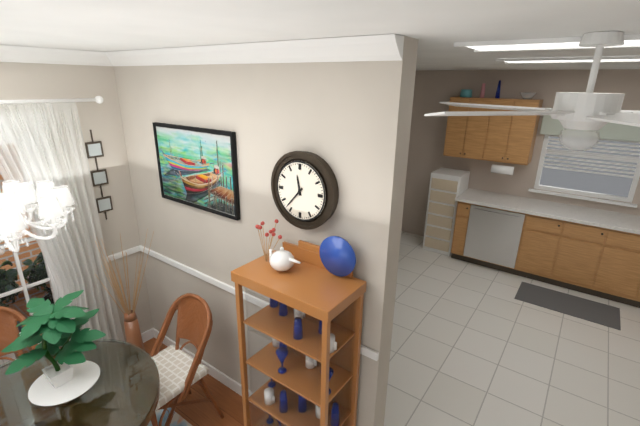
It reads {"hour": 11, "minute": 37}
